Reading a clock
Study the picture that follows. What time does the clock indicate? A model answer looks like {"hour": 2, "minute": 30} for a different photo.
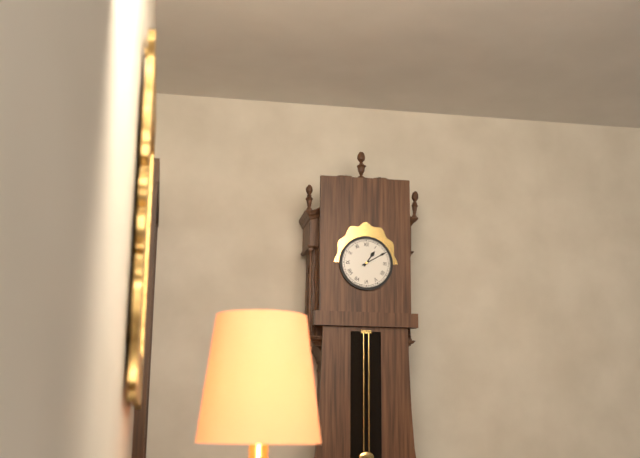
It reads {"hour": 1, "minute": 10}
